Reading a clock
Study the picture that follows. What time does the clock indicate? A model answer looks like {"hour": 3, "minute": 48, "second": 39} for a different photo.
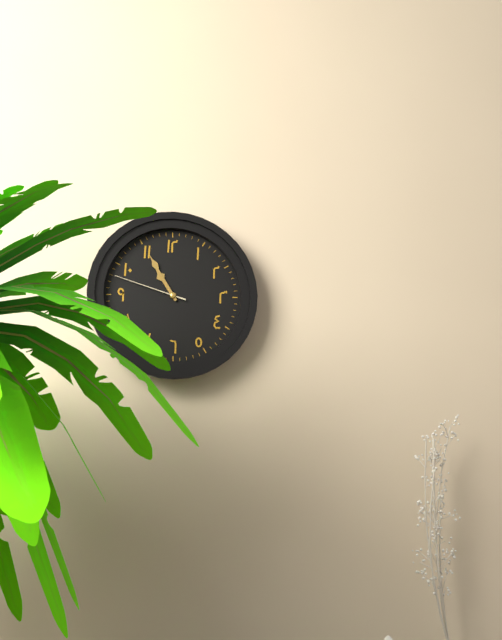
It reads {"hour": 10, "minute": 55, "second": 48}
